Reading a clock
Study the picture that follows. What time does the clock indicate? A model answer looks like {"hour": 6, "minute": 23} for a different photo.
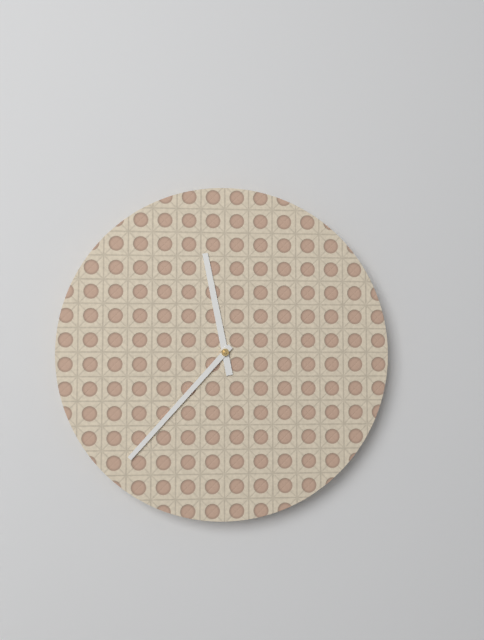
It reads {"hour": 11, "minute": 37}
